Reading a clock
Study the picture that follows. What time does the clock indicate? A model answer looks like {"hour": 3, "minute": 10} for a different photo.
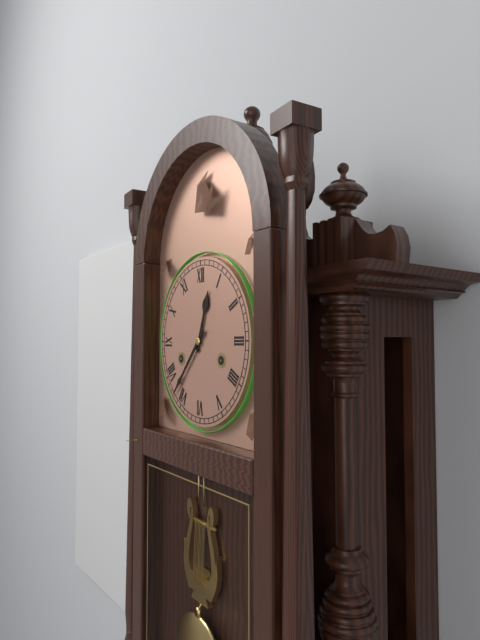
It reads {"hour": 12, "minute": 37}
